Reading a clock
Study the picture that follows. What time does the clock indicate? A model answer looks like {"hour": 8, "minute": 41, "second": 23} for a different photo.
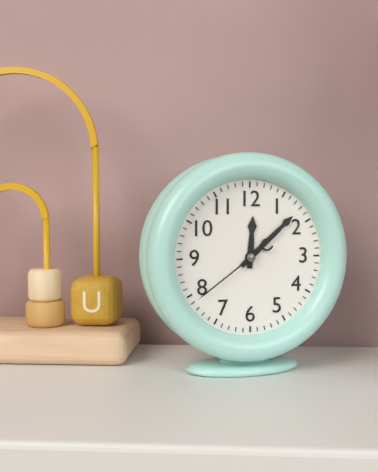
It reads {"hour": 12, "minute": 8, "second": 39}
